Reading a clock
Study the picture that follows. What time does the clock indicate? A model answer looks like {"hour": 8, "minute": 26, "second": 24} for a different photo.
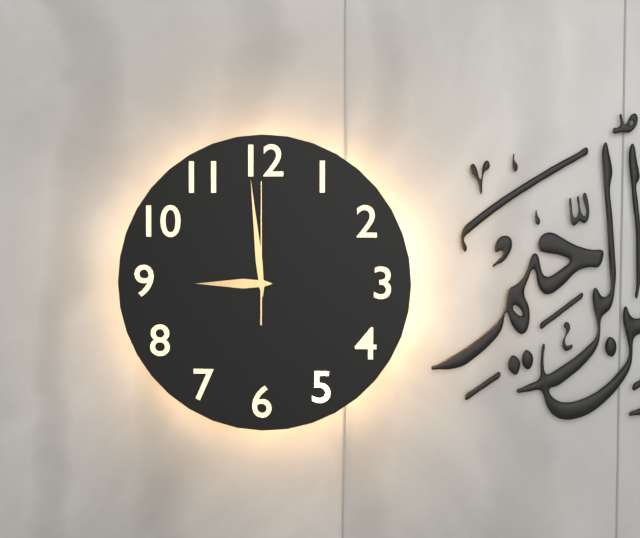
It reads {"hour": 8, "minute": 59, "second": 0}
